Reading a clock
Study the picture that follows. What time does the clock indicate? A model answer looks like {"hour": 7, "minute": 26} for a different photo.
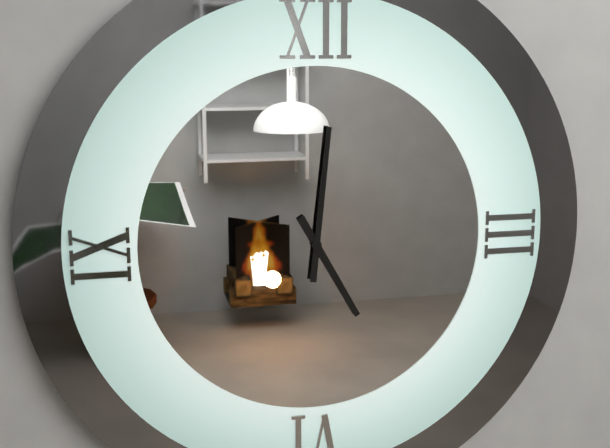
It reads {"hour": 5, "minute": 1}
